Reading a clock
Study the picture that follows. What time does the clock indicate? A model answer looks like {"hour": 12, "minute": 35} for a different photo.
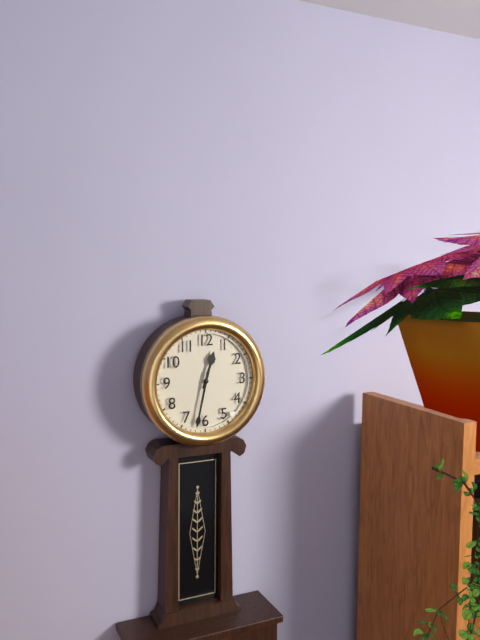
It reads {"hour": 12, "minute": 32}
